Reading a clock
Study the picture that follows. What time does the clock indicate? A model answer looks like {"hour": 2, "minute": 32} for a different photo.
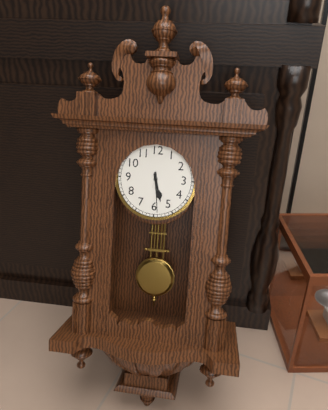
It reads {"hour": 5, "minute": 29}
